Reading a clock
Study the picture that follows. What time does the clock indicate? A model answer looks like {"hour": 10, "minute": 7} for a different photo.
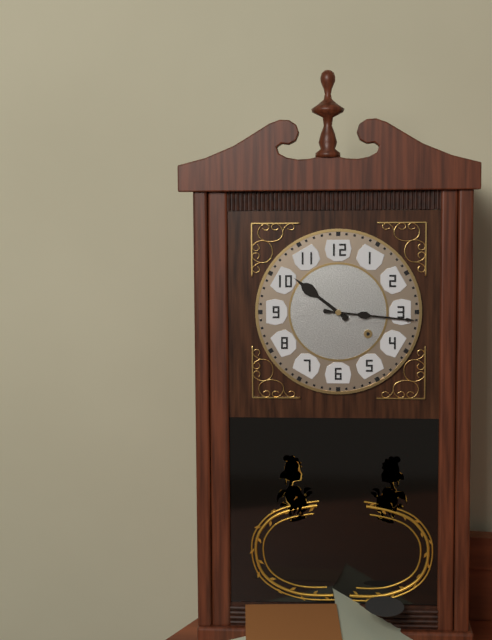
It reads {"hour": 10, "minute": 16}
